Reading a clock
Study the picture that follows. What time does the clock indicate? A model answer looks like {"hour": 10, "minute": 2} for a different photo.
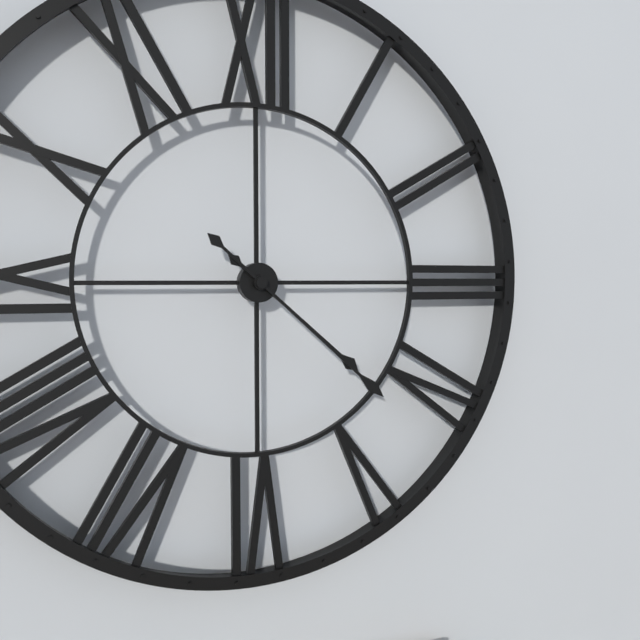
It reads {"hour": 4, "minute": 22}
